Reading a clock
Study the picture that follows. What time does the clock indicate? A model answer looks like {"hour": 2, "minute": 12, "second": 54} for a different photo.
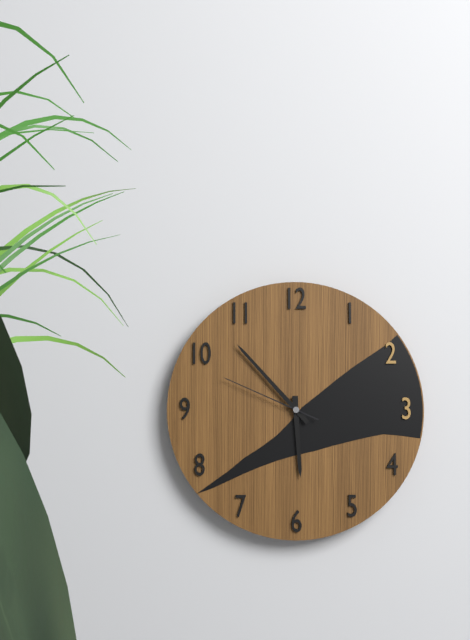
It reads {"hour": 5, "minute": 53, "second": 49}
